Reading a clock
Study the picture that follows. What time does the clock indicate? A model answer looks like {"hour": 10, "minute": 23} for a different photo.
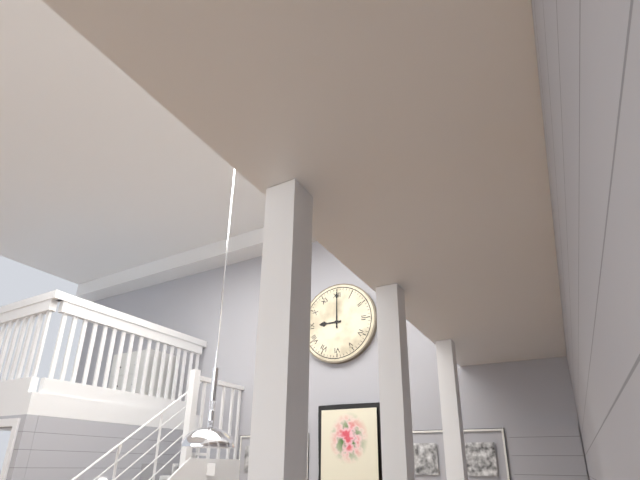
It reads {"hour": 9, "minute": 0}
